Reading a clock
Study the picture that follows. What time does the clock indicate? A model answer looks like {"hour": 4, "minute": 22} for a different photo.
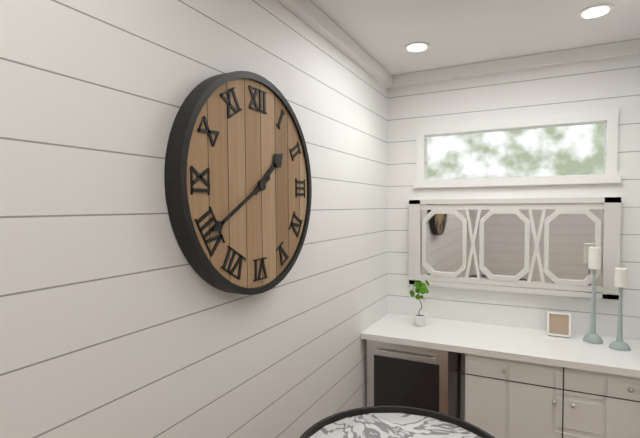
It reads {"hour": 1, "minute": 40}
